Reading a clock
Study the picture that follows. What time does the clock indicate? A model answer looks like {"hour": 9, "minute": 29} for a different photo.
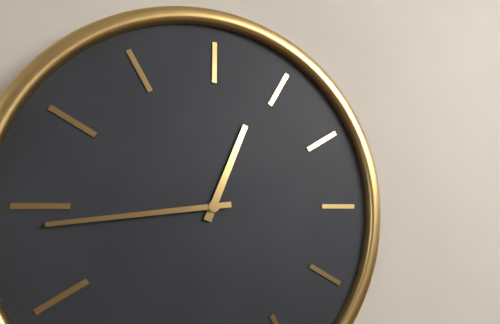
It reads {"hour": 12, "minute": 44}
